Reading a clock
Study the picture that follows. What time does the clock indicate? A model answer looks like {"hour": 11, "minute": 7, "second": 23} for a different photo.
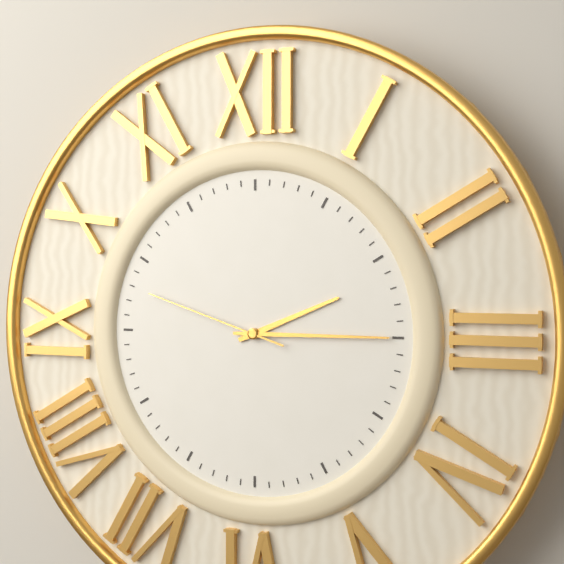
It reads {"hour": 2, "minute": 15, "second": 48}
